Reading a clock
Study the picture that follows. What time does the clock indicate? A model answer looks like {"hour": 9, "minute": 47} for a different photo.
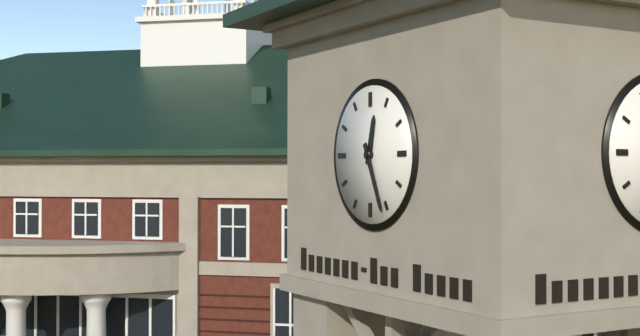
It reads {"hour": 12, "minute": 26}
